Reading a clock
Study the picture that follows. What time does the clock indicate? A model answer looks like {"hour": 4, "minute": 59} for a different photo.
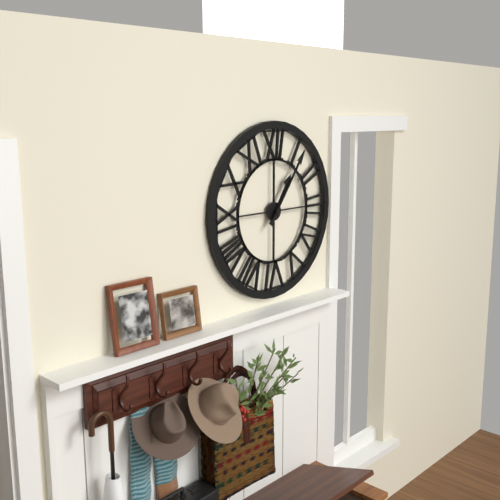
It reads {"hour": 1, "minute": 6}
